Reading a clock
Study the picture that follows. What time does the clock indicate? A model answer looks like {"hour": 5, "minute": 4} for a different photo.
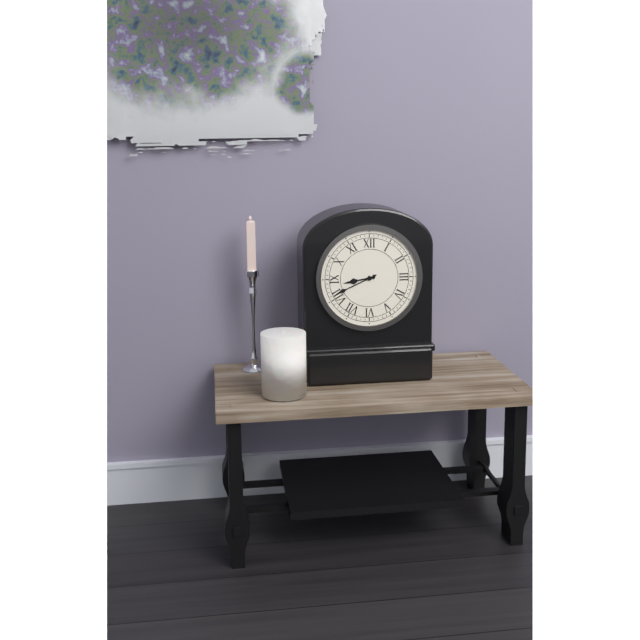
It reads {"hour": 8, "minute": 41}
